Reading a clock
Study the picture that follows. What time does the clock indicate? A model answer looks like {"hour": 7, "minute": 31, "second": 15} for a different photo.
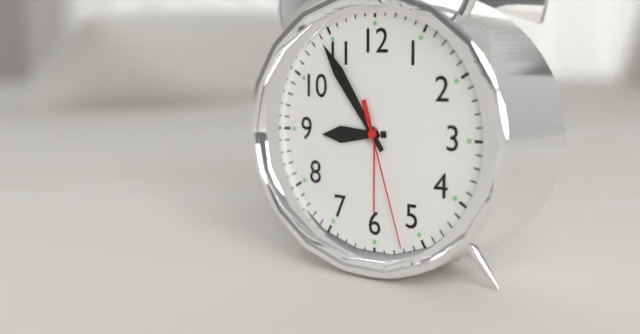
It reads {"hour": 8, "minute": 54, "second": 27}
